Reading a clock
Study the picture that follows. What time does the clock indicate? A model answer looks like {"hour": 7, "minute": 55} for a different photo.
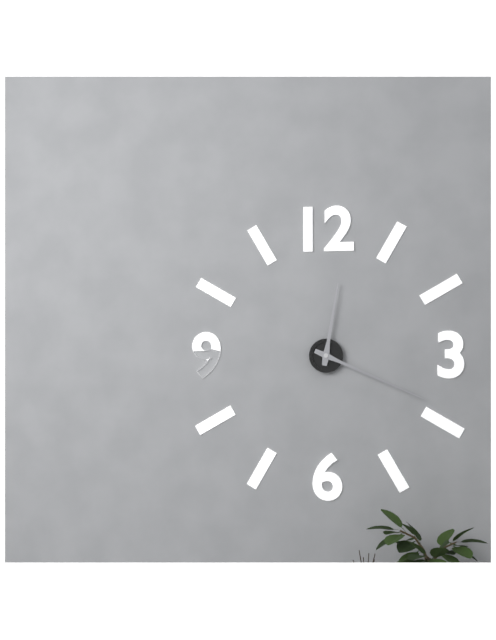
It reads {"hour": 12, "minute": 19}
